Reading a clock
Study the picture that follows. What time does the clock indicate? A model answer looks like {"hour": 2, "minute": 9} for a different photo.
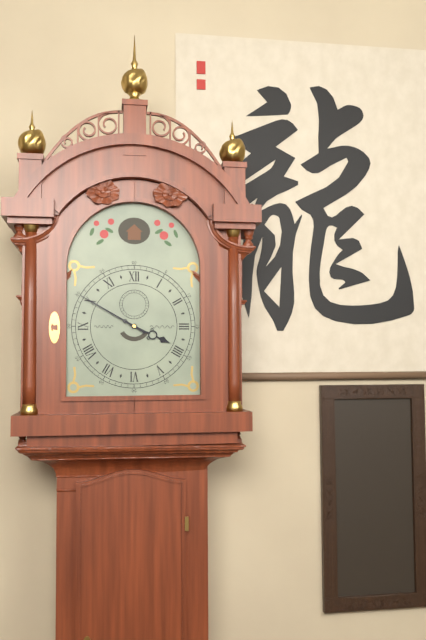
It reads {"hour": 3, "minute": 50}
